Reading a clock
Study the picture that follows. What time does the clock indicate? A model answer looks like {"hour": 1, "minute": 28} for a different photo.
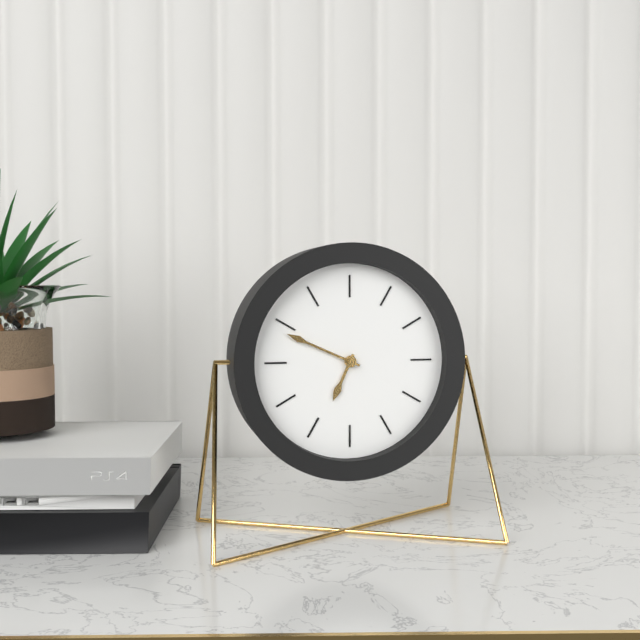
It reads {"hour": 6, "minute": 49}
